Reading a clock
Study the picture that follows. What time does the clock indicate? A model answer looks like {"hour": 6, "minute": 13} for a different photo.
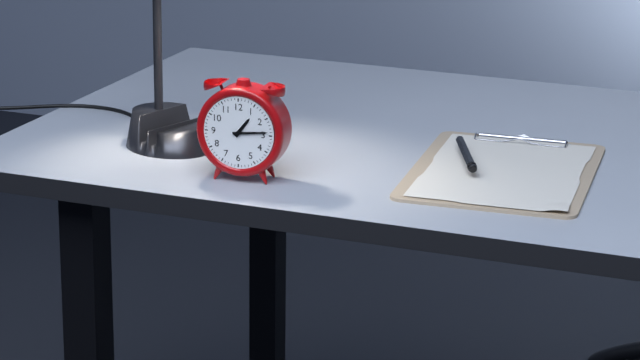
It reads {"hour": 1, "minute": 14}
